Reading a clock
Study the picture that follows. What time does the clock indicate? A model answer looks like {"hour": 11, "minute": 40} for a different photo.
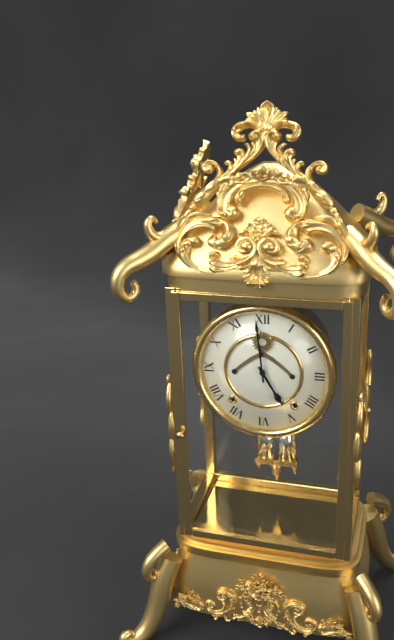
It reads {"hour": 4, "minute": 59}
